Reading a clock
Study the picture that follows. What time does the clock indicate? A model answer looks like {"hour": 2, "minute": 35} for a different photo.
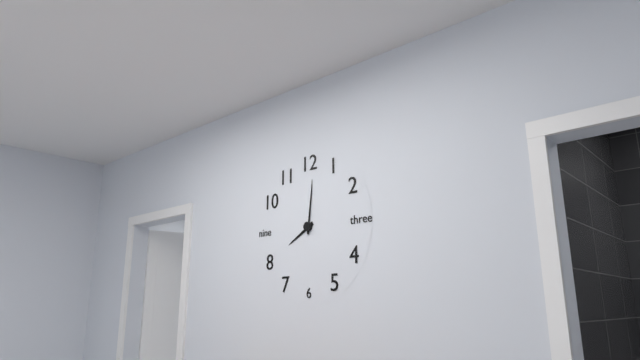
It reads {"hour": 8, "minute": 1}
